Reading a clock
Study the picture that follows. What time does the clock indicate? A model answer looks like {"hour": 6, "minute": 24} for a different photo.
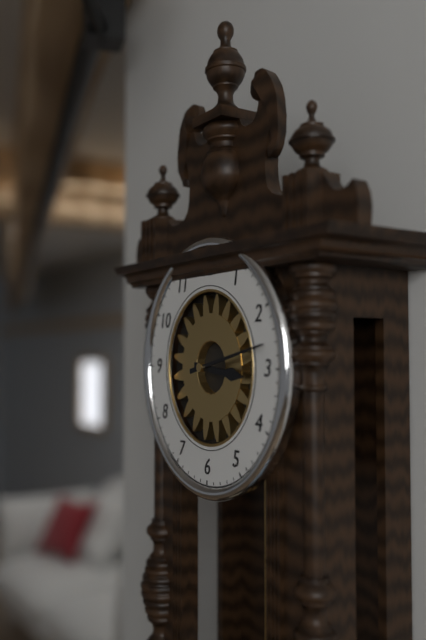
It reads {"hour": 3, "minute": 13}
